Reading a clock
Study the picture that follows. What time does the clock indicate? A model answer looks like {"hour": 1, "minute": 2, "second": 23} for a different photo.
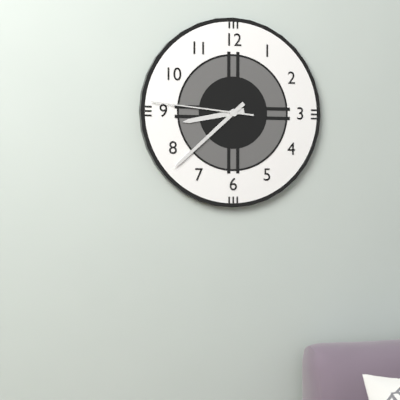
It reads {"hour": 8, "minute": 38, "second": 46}
